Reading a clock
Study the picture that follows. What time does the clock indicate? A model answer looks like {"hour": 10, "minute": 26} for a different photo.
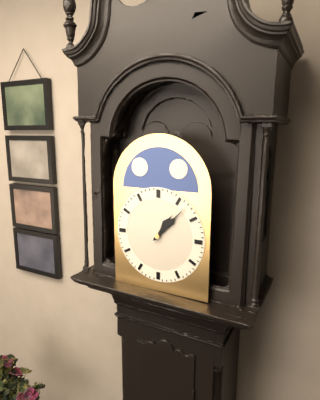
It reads {"hour": 1, "minute": 7}
